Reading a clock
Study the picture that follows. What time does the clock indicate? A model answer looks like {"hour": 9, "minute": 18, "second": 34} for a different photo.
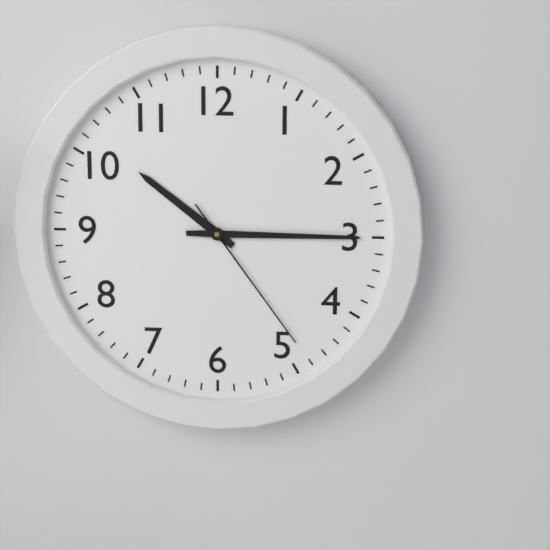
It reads {"hour": 10, "minute": 15, "second": 24}
